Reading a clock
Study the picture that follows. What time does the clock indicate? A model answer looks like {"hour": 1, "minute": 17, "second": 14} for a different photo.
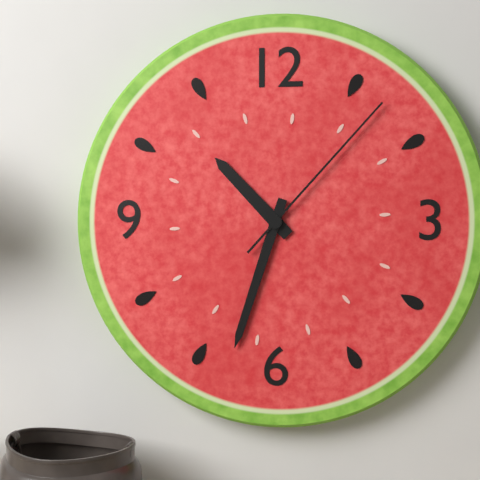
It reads {"hour": 10, "minute": 33, "second": 7}
